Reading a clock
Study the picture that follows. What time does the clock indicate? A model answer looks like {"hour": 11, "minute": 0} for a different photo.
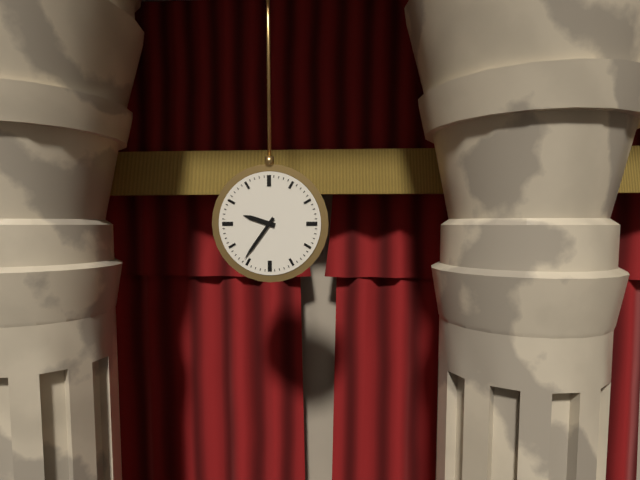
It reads {"hour": 9, "minute": 36}
